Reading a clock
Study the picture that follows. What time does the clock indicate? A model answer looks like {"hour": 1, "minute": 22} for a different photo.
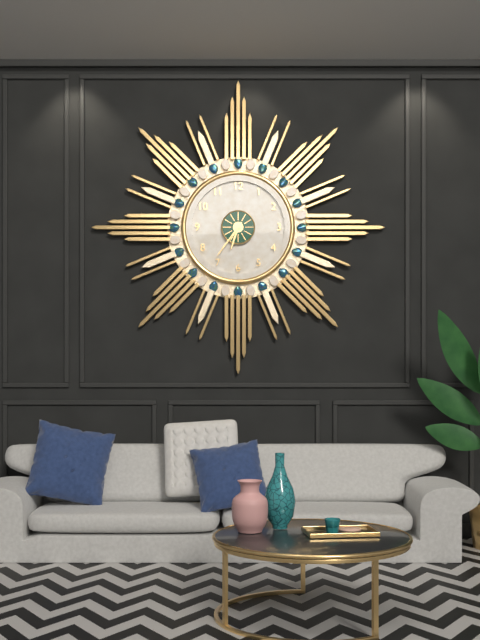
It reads {"hour": 6, "minute": 36}
